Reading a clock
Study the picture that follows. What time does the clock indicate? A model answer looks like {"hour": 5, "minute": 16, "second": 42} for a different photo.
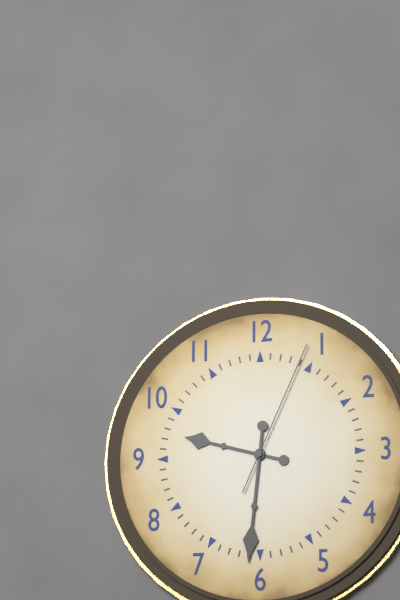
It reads {"hour": 9, "minute": 31, "second": 4}
